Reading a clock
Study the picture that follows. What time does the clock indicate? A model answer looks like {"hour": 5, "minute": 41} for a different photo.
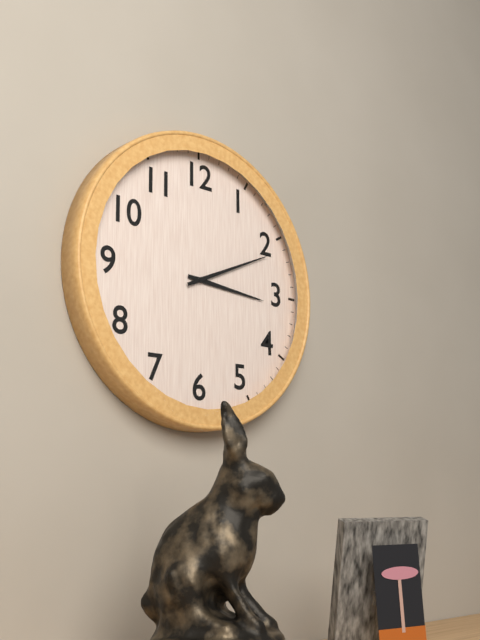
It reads {"hour": 3, "minute": 11}
